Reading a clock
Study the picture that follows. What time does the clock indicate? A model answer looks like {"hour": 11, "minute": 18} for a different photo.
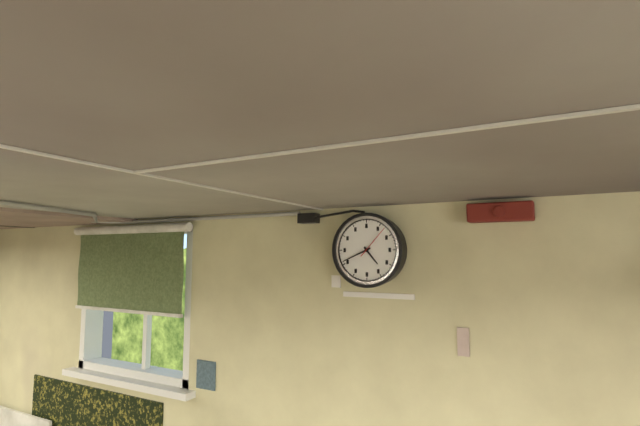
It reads {"hour": 4, "minute": 41}
